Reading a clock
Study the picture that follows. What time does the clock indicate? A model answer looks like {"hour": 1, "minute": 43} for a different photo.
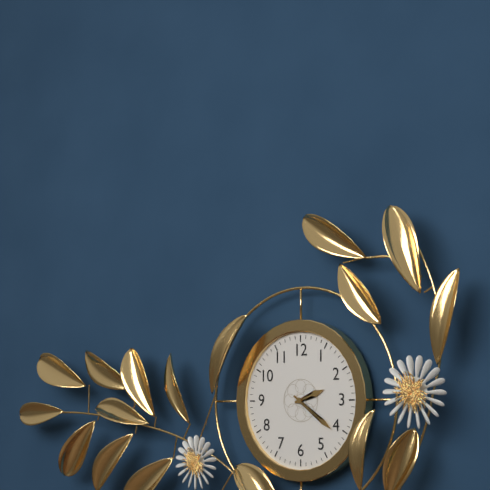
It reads {"hour": 2, "minute": 21}
